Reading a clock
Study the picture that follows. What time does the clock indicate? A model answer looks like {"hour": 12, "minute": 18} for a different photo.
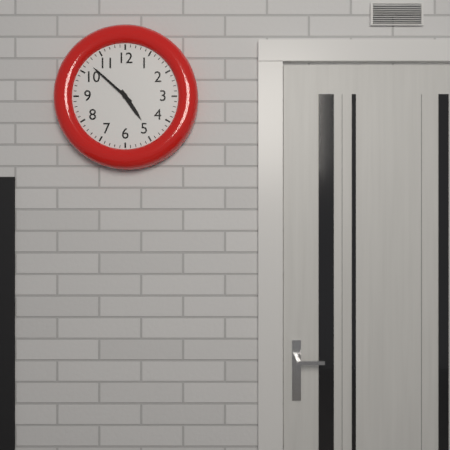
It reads {"hour": 4, "minute": 52}
